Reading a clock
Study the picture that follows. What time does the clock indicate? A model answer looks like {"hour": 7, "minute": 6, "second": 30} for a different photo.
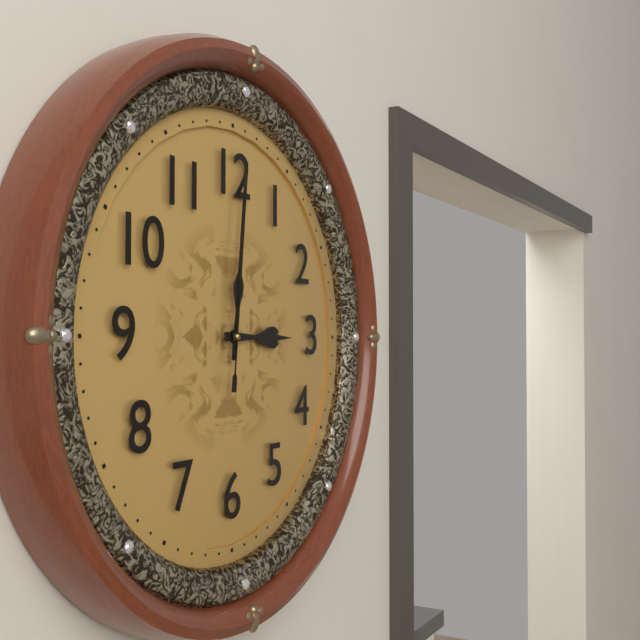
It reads {"hour": 3, "minute": 1, "second": 1}
